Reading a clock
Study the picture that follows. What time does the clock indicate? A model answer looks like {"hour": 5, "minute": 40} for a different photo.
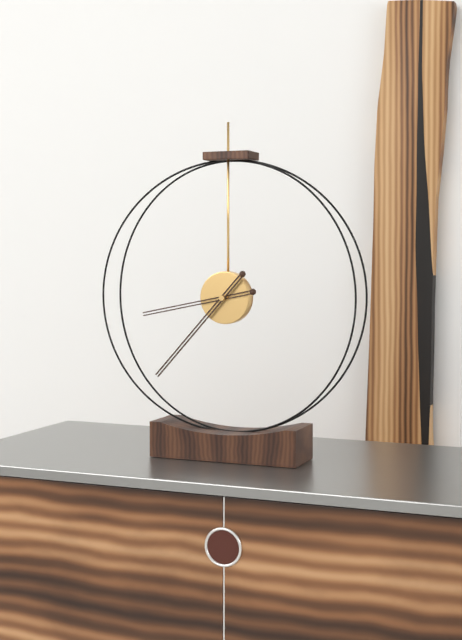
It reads {"hour": 8, "minute": 37}
